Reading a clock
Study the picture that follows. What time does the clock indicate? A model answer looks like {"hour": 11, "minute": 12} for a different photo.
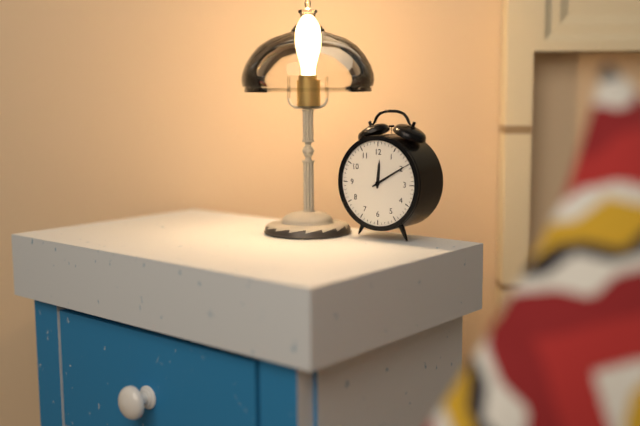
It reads {"hour": 12, "minute": 10}
